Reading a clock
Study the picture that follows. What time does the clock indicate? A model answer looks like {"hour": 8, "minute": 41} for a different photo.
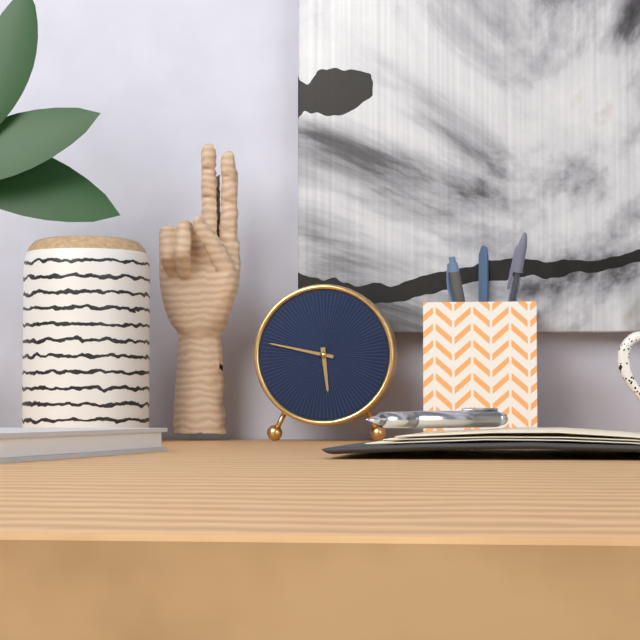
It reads {"hour": 5, "minute": 47}
